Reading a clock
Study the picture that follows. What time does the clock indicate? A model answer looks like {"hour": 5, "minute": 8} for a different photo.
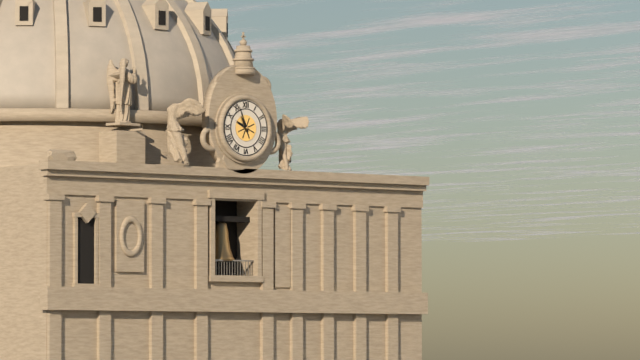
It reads {"hour": 9, "minute": 56}
